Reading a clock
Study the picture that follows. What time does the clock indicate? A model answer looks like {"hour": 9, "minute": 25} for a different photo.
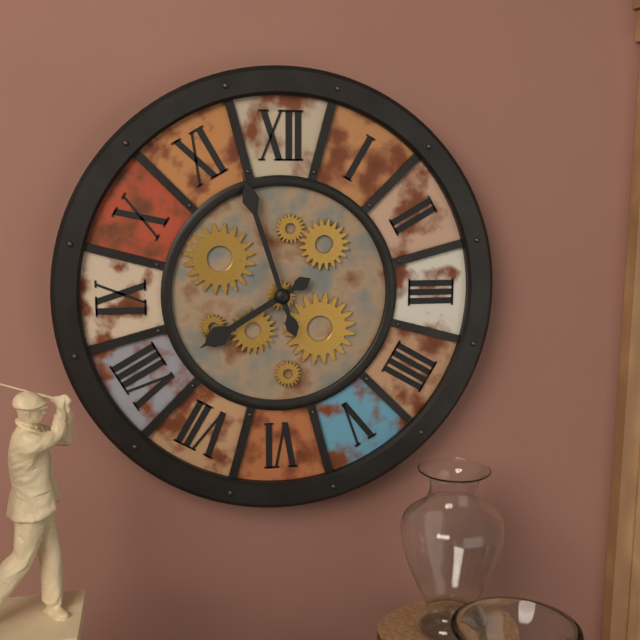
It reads {"hour": 7, "minute": 57}
